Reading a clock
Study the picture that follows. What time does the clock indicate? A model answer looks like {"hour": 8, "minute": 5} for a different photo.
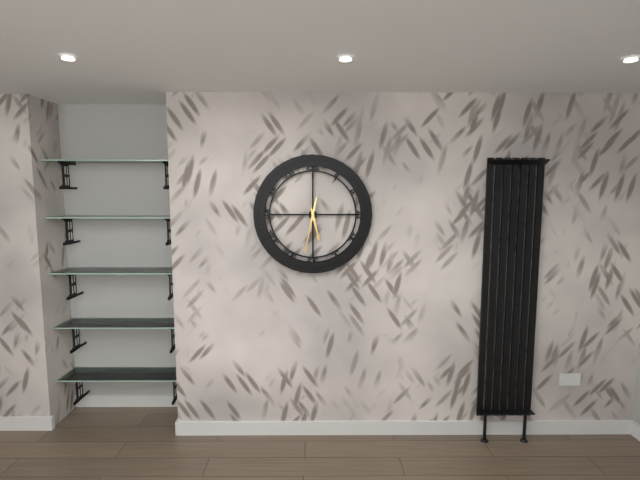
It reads {"hour": 5, "minute": 32}
